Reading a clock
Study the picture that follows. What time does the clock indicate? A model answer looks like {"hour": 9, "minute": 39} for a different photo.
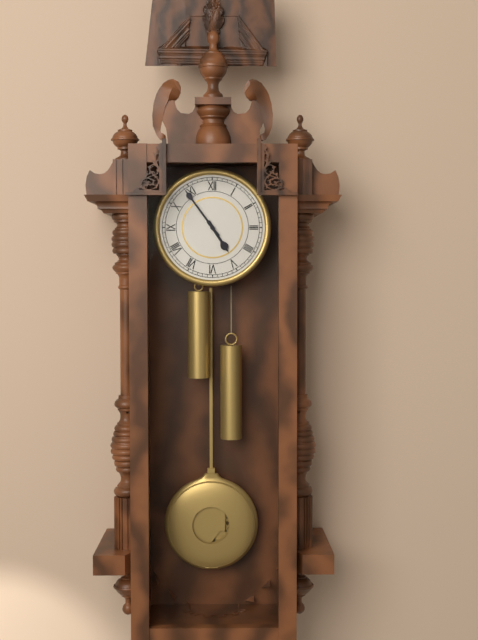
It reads {"hour": 4, "minute": 54}
